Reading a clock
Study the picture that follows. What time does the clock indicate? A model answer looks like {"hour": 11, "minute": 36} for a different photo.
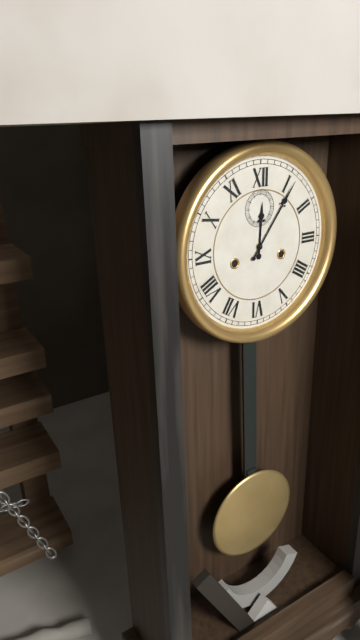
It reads {"hour": 12, "minute": 6}
